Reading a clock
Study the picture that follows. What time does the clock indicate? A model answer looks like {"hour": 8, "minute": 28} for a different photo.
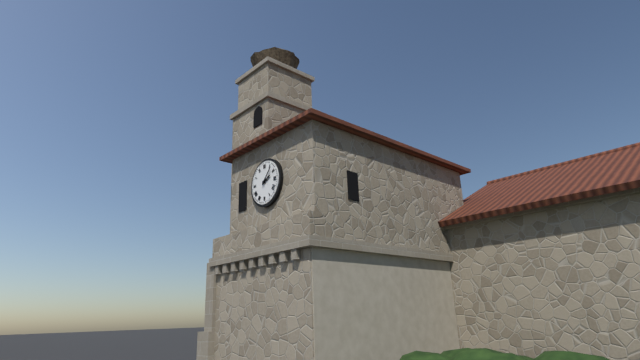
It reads {"hour": 2, "minute": 7}
